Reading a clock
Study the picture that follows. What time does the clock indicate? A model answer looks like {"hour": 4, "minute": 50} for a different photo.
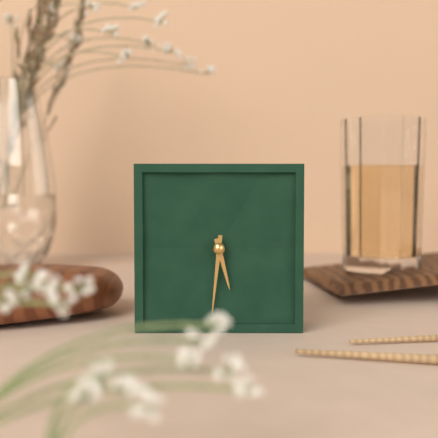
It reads {"hour": 5, "minute": 31}
